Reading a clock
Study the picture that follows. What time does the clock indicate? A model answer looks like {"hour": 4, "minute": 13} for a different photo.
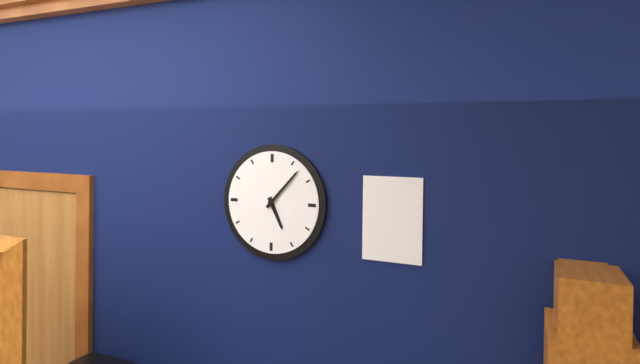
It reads {"hour": 5, "minute": 7}
